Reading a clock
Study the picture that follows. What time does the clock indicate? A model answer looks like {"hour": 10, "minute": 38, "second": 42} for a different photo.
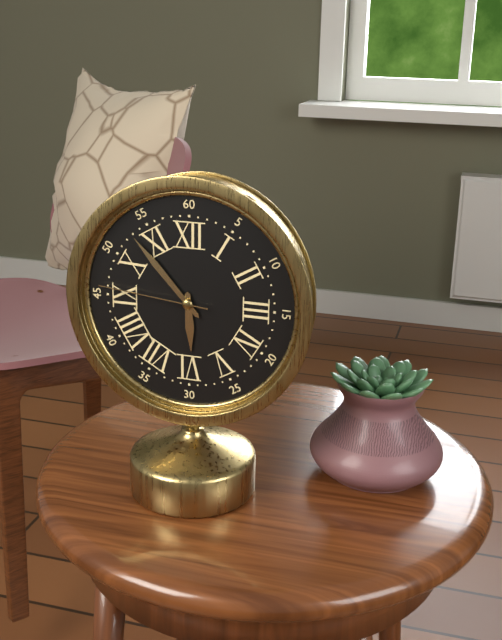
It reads {"hour": 5, "minute": 53, "second": 46}
